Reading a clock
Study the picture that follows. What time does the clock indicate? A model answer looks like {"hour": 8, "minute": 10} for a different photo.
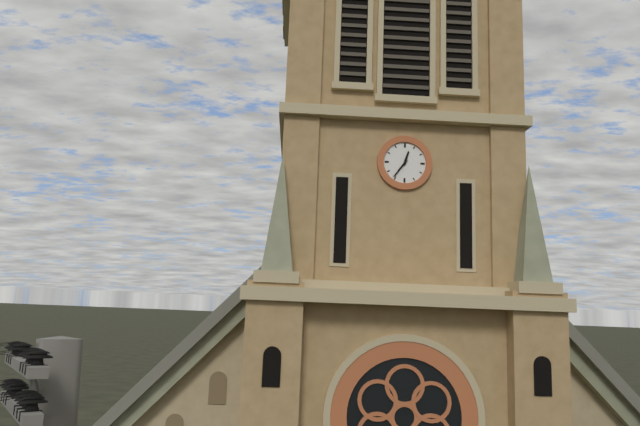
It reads {"hour": 12, "minute": 36}
